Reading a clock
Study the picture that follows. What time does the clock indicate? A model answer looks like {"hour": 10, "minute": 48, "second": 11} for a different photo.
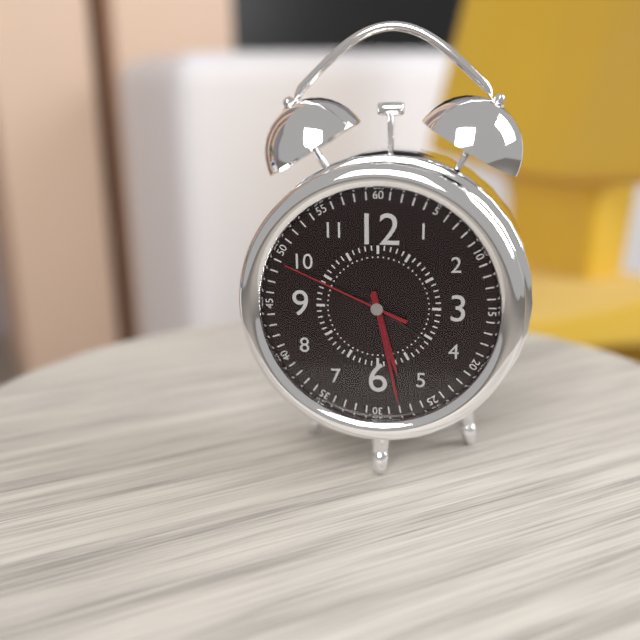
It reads {"hour": 5, "minute": 28, "second": 49}
